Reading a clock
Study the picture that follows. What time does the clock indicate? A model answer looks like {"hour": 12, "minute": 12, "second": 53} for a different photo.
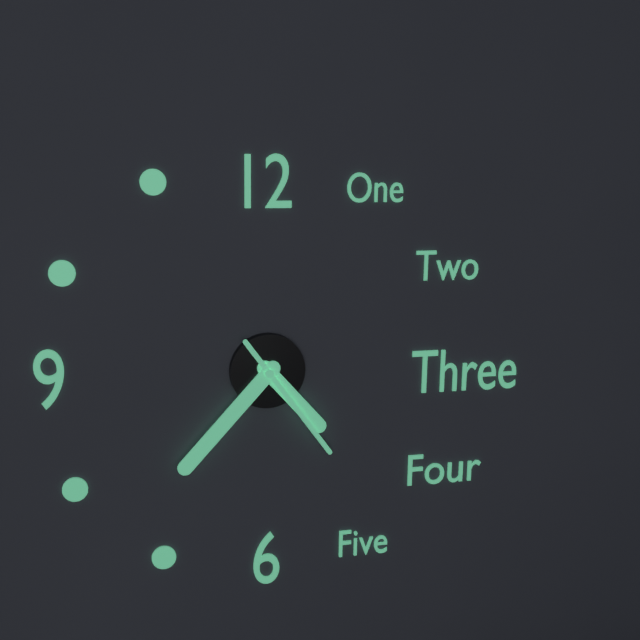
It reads {"hour": 4, "minute": 37, "second": 24}
